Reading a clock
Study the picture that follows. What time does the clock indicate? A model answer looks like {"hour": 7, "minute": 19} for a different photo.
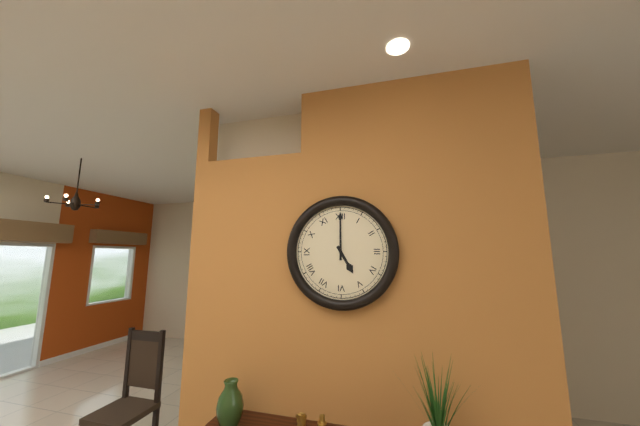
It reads {"hour": 5, "minute": 0}
